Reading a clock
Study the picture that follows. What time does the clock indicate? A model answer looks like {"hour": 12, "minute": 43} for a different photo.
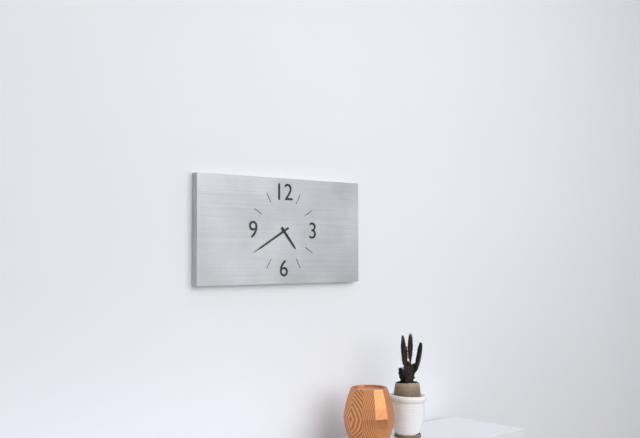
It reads {"hour": 4, "minute": 40}
